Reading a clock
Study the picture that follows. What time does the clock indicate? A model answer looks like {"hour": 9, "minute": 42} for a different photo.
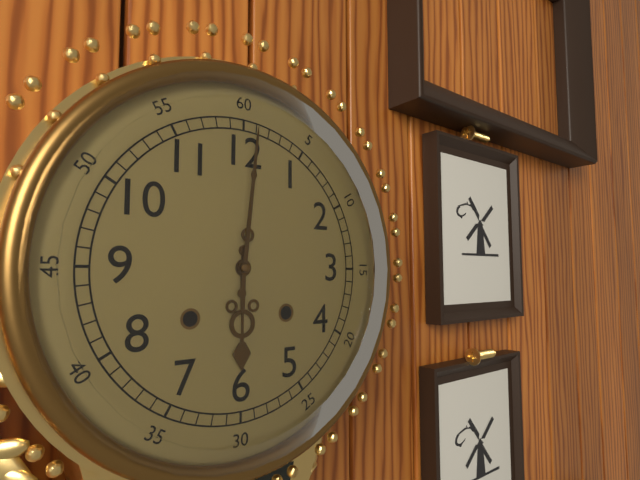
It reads {"hour": 6, "minute": 1}
